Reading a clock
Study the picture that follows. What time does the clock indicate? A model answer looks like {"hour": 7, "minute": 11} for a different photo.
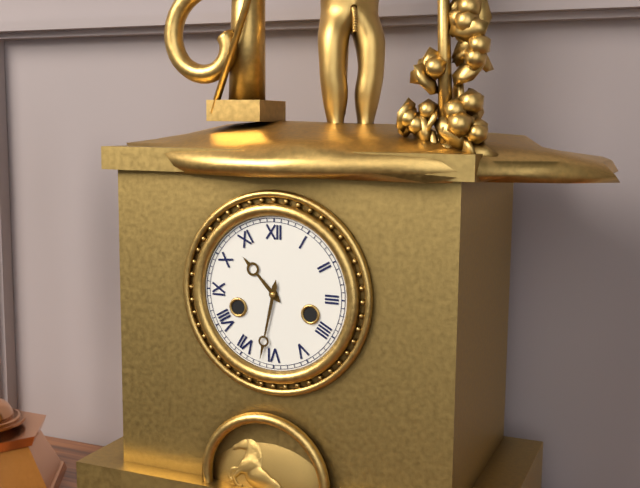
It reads {"hour": 10, "minute": 32}
